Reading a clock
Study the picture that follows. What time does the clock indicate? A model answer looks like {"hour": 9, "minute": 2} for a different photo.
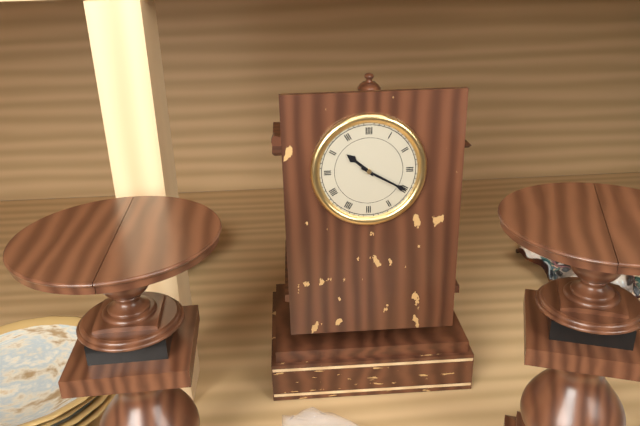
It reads {"hour": 10, "minute": 20}
